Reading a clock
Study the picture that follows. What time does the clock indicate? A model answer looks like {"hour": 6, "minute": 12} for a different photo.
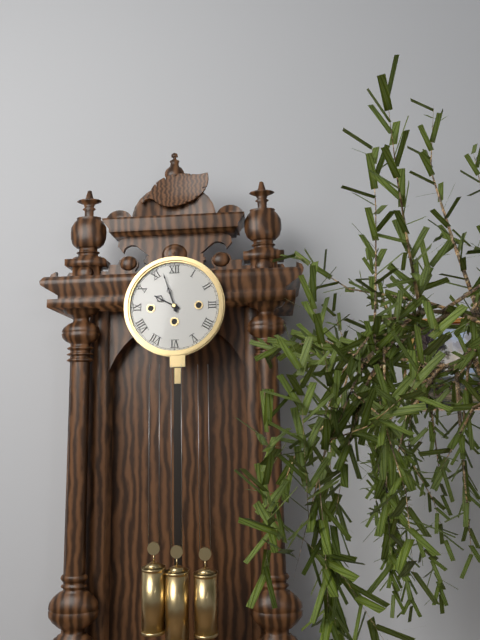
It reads {"hour": 9, "minute": 57}
